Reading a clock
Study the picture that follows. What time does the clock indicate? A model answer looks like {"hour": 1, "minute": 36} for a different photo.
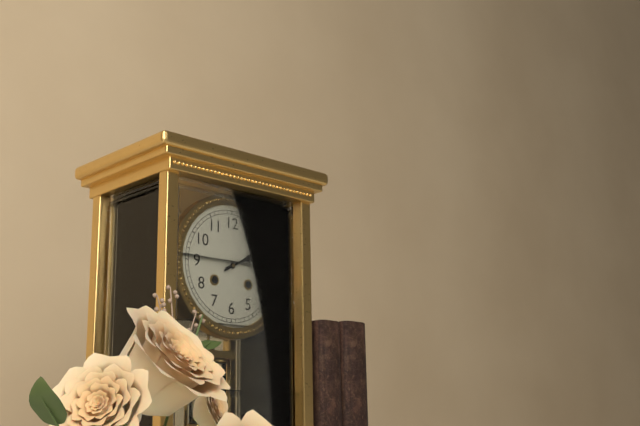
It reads {"hour": 2, "minute": 10}
